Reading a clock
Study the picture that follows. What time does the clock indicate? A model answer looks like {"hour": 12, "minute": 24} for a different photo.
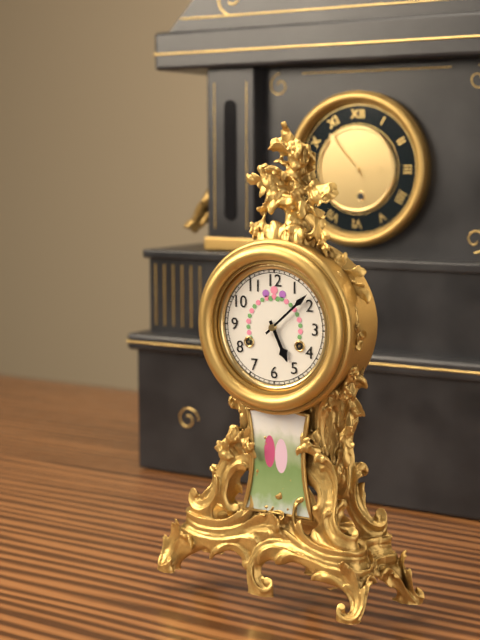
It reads {"hour": 5, "minute": 8}
